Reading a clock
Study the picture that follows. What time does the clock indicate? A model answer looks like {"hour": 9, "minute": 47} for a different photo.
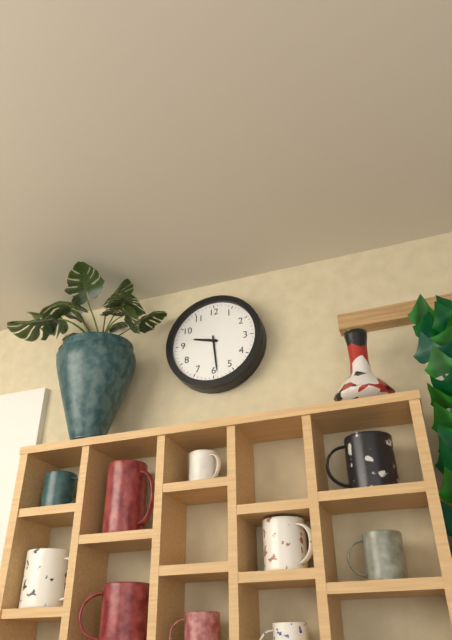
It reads {"hour": 9, "minute": 29}
